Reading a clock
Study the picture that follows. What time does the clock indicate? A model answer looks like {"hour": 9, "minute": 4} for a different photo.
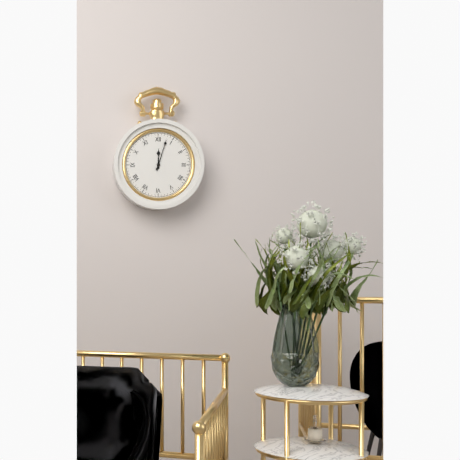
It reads {"hour": 12, "minute": 3}
